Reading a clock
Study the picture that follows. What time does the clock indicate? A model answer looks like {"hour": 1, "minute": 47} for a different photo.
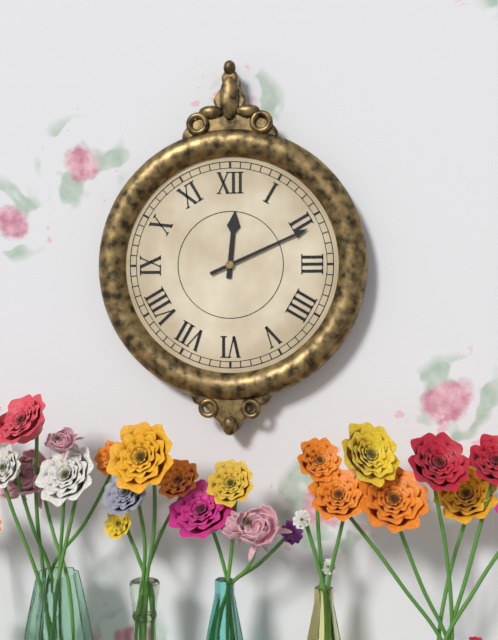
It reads {"hour": 12, "minute": 11}
